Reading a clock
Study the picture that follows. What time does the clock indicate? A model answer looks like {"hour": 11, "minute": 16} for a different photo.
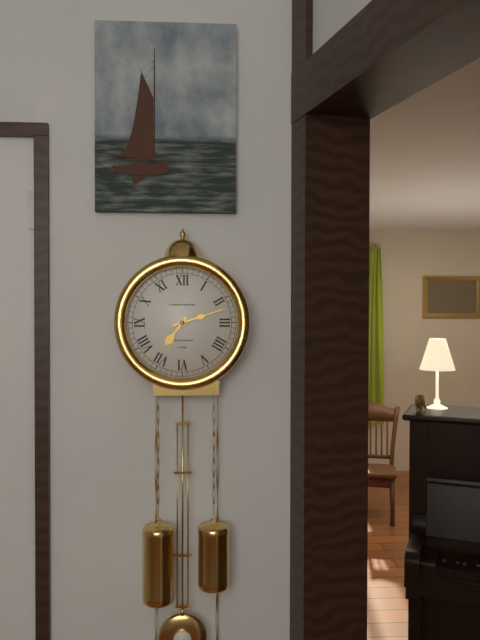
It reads {"hour": 7, "minute": 12}
